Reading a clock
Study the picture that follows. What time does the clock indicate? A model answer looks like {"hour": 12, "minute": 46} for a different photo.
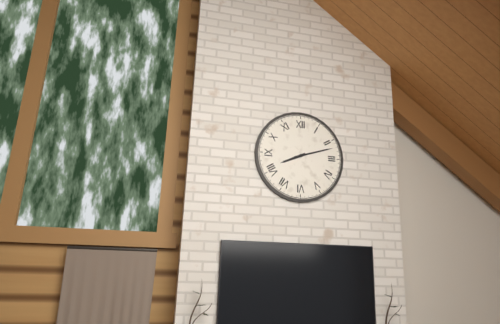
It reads {"hour": 8, "minute": 12}
